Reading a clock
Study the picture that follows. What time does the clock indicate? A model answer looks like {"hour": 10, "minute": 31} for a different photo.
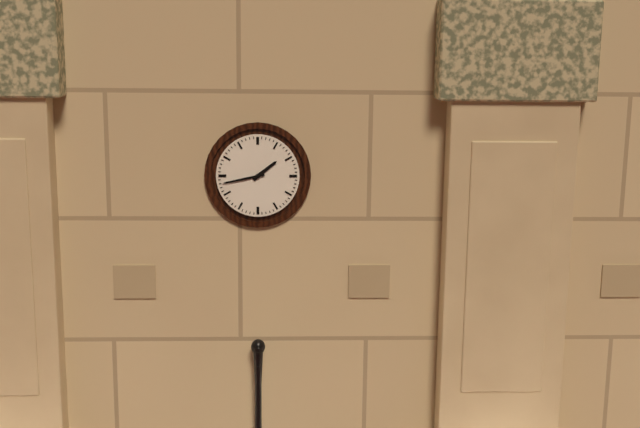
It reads {"hour": 1, "minute": 43}
